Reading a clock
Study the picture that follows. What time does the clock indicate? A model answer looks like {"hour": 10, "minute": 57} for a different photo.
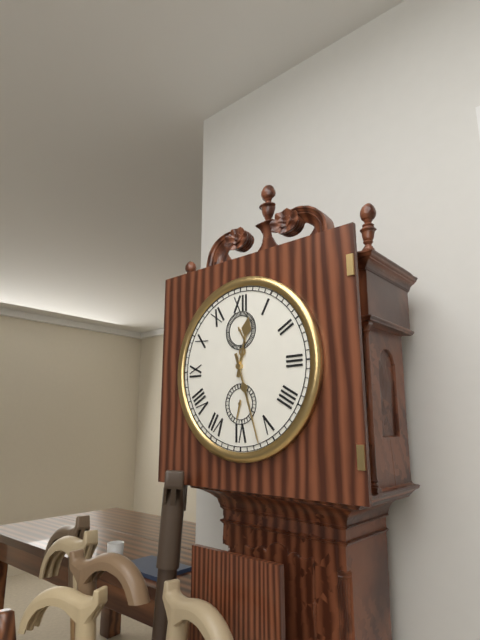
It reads {"hour": 12, "minute": 27}
